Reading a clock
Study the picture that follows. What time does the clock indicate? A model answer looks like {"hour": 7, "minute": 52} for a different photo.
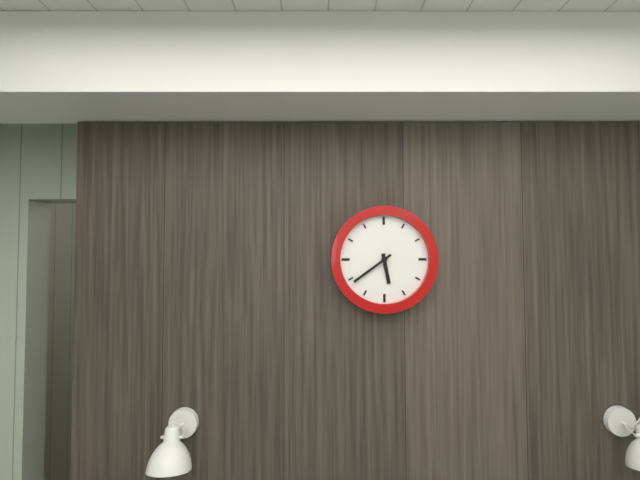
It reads {"hour": 5, "minute": 39}
